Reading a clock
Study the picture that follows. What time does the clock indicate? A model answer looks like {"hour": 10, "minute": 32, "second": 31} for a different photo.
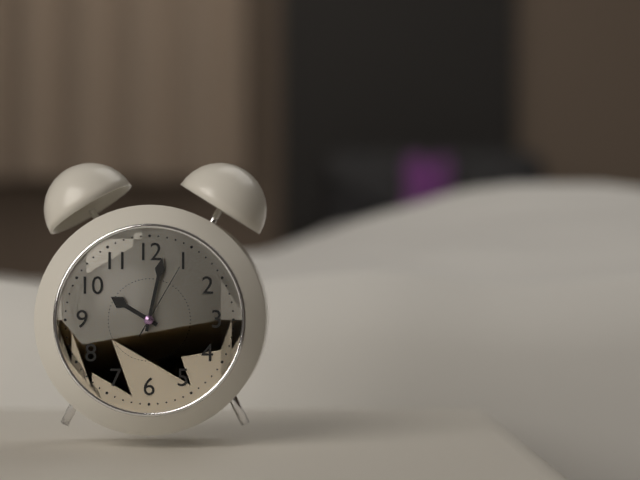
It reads {"hour": 10, "minute": 2, "second": 5}
